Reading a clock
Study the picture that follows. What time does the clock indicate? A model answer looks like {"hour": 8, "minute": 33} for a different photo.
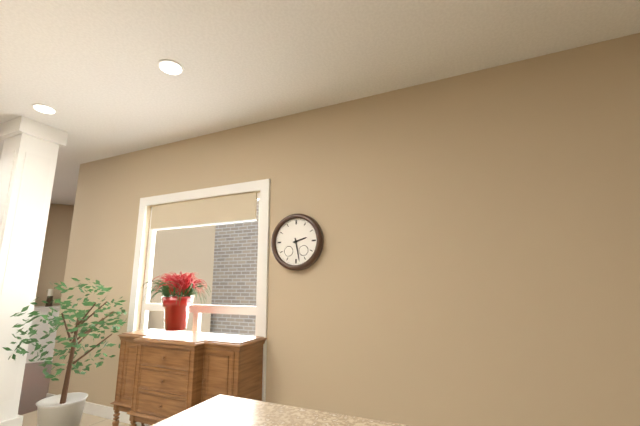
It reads {"hour": 2, "minute": 28}
